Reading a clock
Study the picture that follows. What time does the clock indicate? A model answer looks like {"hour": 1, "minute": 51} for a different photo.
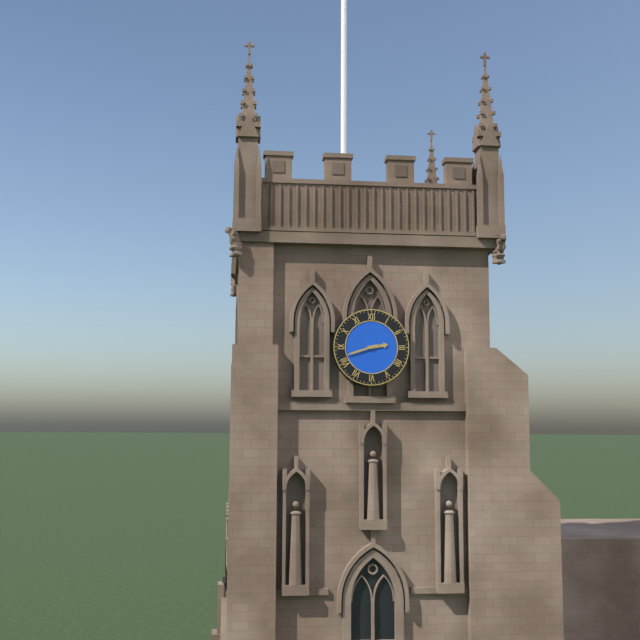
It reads {"hour": 2, "minute": 42}
